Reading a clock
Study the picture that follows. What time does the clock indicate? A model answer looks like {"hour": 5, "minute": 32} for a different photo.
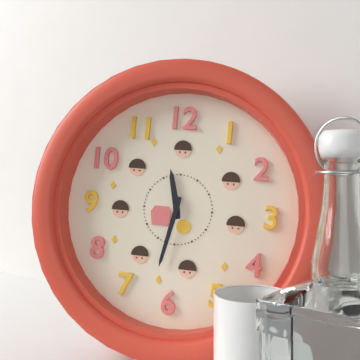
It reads {"hour": 11, "minute": 32}
